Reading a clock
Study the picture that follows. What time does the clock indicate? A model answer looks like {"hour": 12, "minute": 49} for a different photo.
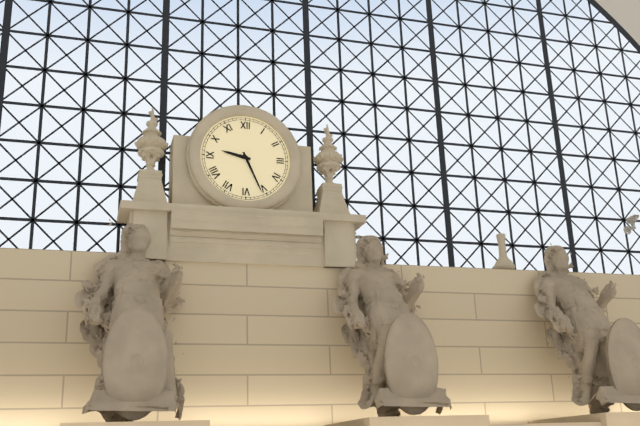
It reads {"hour": 9, "minute": 26}
